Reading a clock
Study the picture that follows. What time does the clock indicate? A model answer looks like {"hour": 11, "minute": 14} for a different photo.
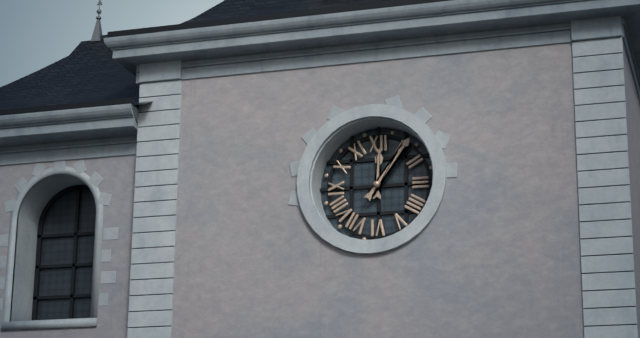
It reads {"hour": 12, "minute": 6}
